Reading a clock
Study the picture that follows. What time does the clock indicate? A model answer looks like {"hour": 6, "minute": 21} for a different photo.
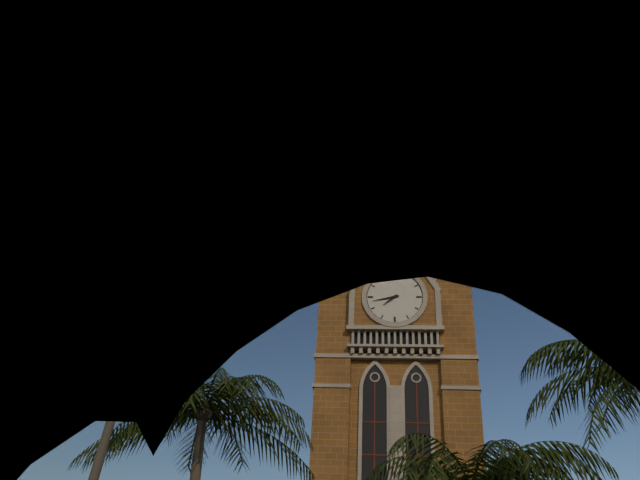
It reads {"hour": 7, "minute": 43}
